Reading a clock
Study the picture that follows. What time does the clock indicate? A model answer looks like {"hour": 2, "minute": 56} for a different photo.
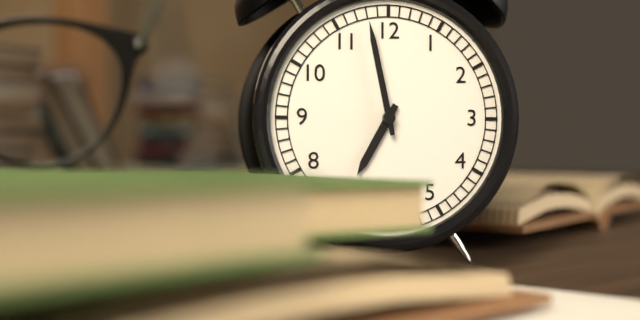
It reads {"hour": 6, "minute": 58}
